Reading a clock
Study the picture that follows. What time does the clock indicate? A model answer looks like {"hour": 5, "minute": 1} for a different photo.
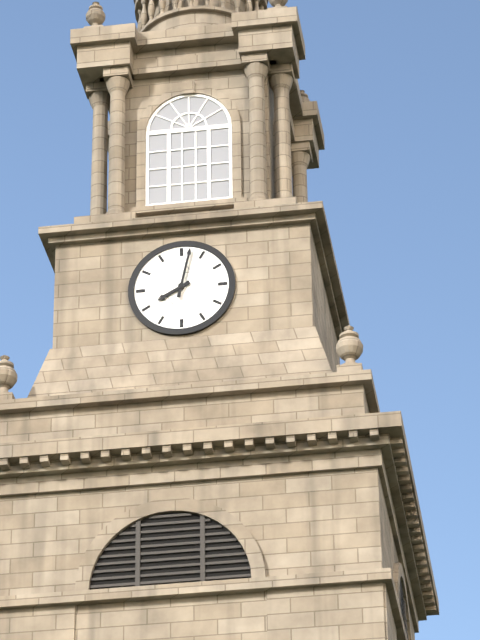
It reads {"hour": 8, "minute": 2}
